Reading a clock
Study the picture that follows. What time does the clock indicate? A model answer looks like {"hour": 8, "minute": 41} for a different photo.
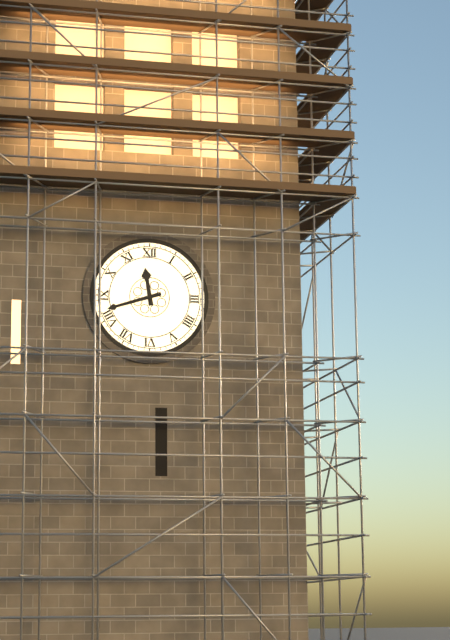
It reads {"hour": 11, "minute": 42}
